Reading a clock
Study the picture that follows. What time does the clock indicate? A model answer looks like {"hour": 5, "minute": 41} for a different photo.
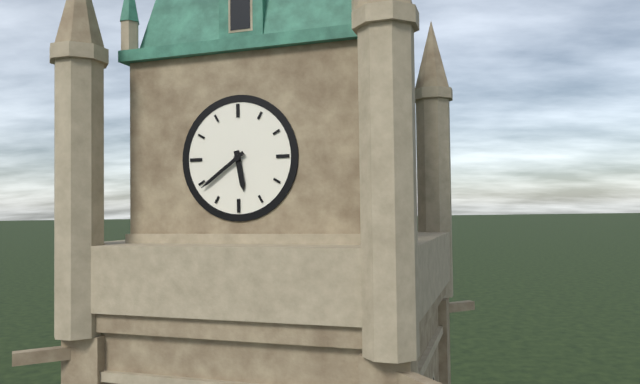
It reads {"hour": 5, "minute": 39}
